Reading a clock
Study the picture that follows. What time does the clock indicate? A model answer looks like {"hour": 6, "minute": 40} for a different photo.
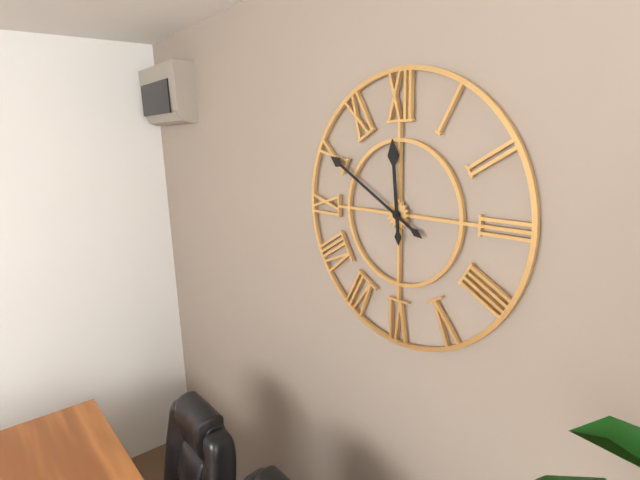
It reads {"hour": 11, "minute": 50}
